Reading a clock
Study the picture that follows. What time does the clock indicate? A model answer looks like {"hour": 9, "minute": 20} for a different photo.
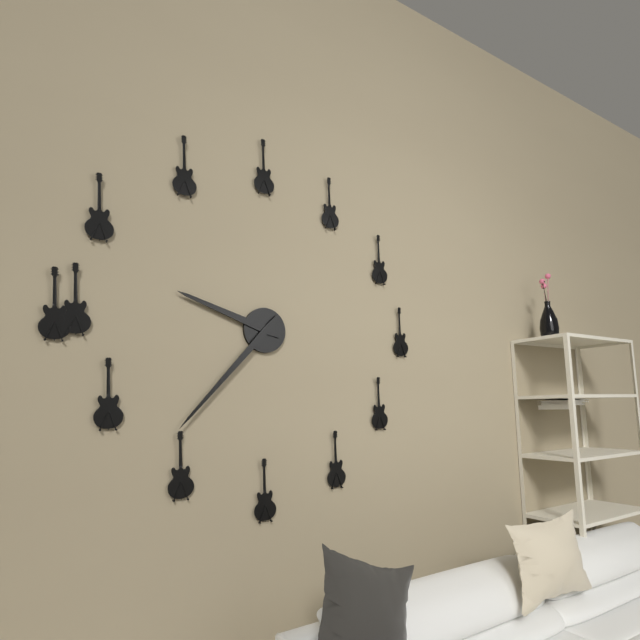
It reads {"hour": 9, "minute": 37}
